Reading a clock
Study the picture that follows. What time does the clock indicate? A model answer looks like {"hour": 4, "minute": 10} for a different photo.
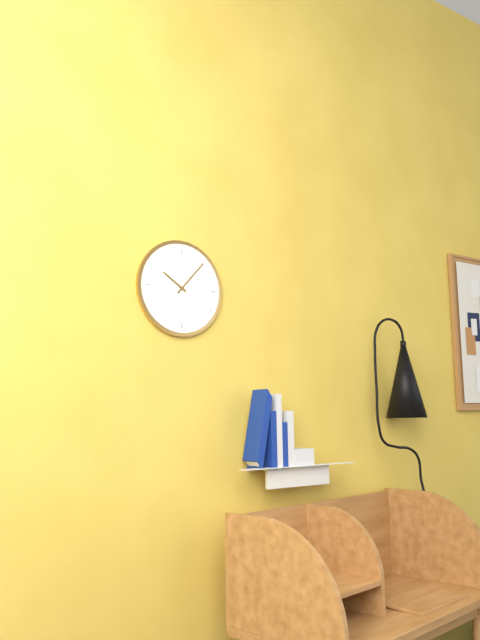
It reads {"hour": 10, "minute": 7}
